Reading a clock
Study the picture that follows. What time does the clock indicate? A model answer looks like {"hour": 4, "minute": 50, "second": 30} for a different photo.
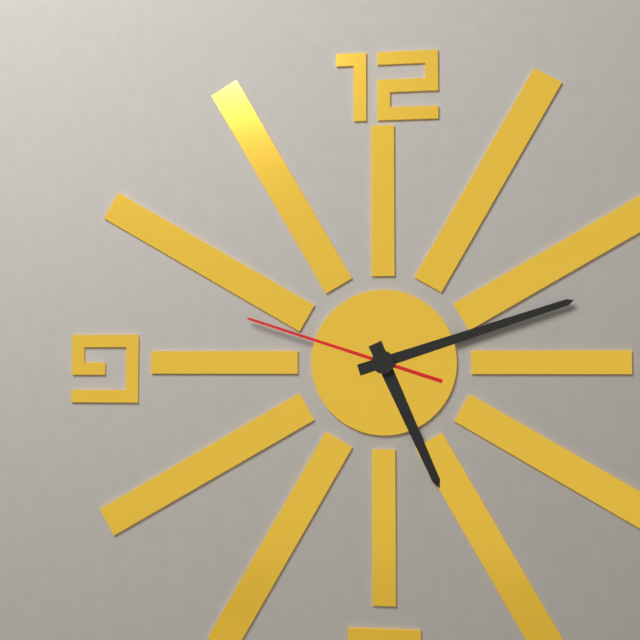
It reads {"hour": 5, "minute": 12, "second": 48}
